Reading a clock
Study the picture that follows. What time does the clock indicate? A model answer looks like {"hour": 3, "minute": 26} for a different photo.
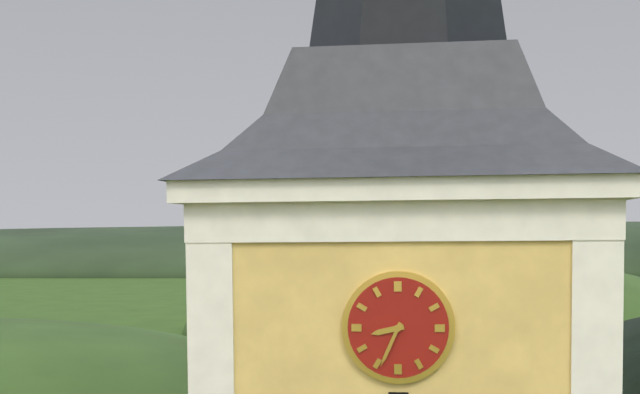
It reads {"hour": 8, "minute": 34}
